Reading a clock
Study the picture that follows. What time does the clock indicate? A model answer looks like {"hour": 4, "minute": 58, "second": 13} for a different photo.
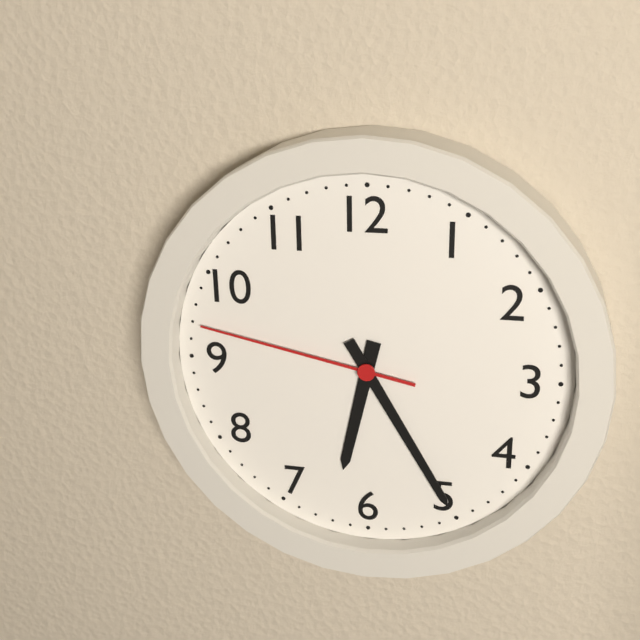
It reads {"hour": 6, "minute": 25, "second": 47}
